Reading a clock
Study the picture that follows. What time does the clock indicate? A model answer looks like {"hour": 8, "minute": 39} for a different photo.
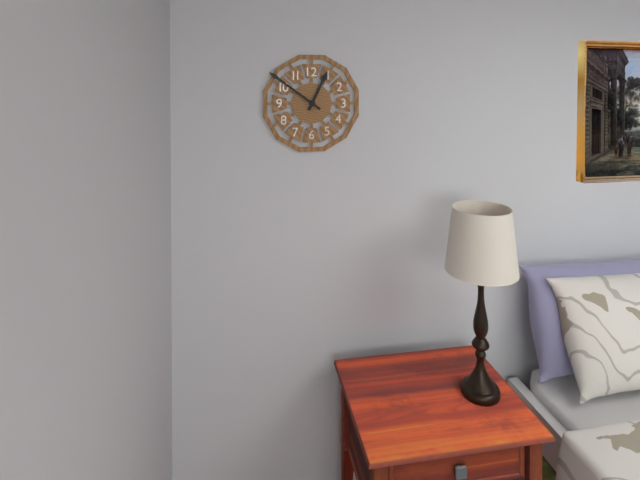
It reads {"hour": 12, "minute": 51}
